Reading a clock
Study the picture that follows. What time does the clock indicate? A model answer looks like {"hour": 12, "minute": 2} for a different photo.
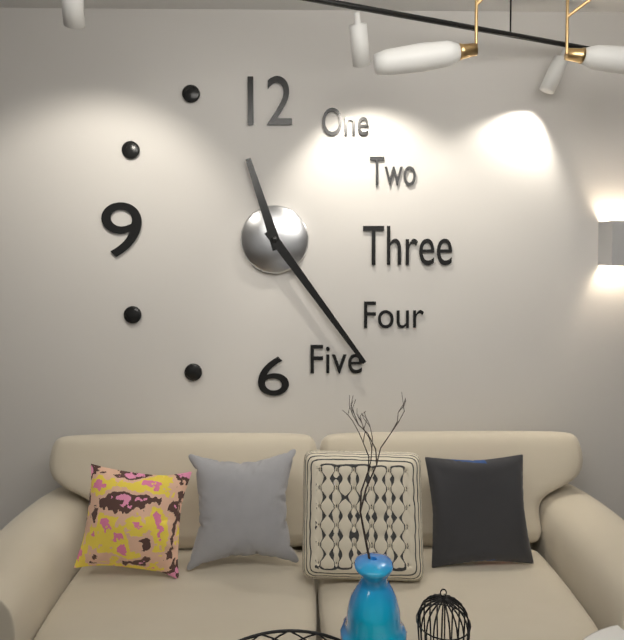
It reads {"hour": 11, "minute": 24}
